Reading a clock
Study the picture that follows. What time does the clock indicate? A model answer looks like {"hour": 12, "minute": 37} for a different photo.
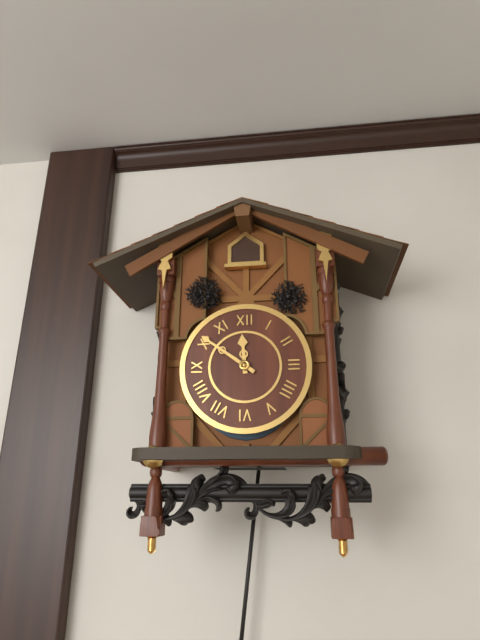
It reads {"hour": 11, "minute": 51}
